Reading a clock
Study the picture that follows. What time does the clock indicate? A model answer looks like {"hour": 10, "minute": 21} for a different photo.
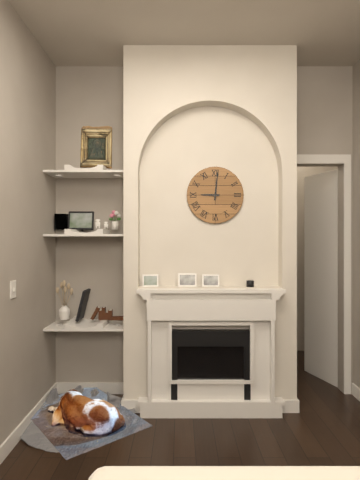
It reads {"hour": 9, "minute": 1}
